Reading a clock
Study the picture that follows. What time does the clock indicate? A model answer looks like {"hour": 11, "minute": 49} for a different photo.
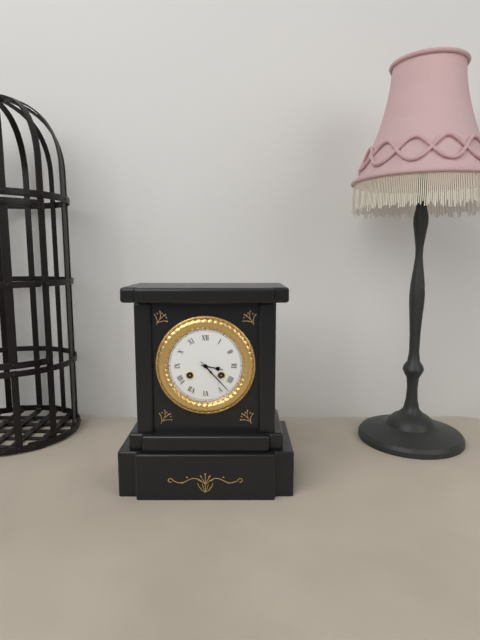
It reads {"hour": 3, "minute": 23}
